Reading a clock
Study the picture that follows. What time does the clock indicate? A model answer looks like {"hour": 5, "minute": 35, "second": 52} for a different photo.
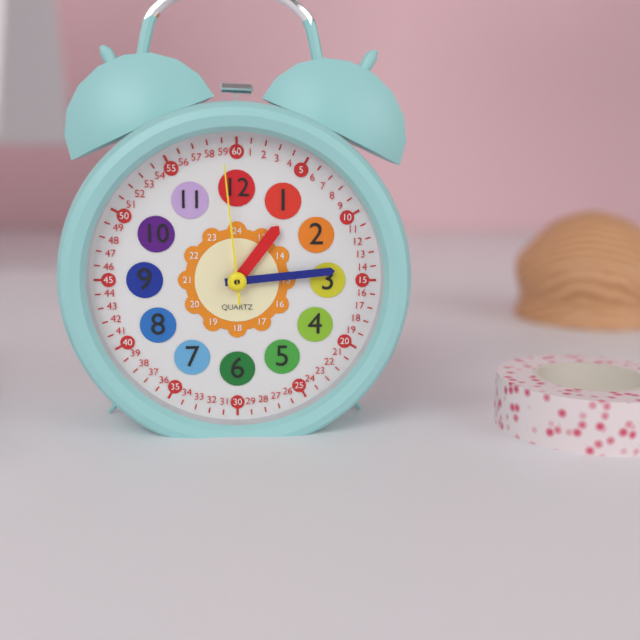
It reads {"hour": 1, "minute": 14, "second": 59}
